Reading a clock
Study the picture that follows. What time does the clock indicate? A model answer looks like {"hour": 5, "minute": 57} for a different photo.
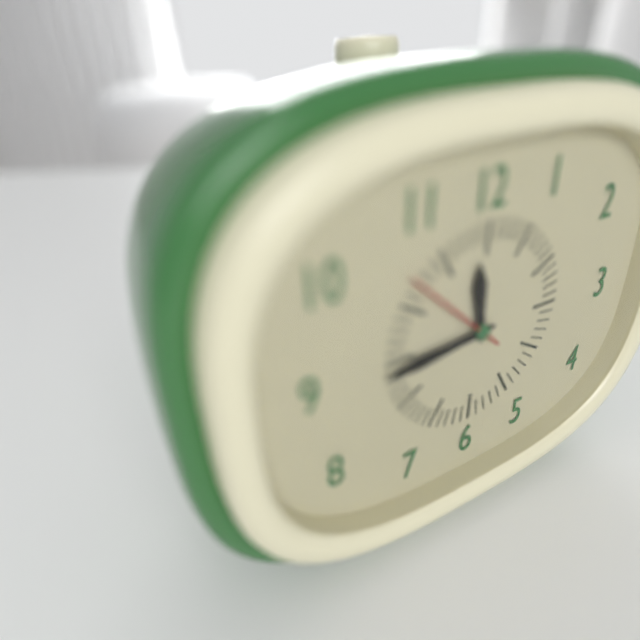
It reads {"hour": 11, "minute": 44}
